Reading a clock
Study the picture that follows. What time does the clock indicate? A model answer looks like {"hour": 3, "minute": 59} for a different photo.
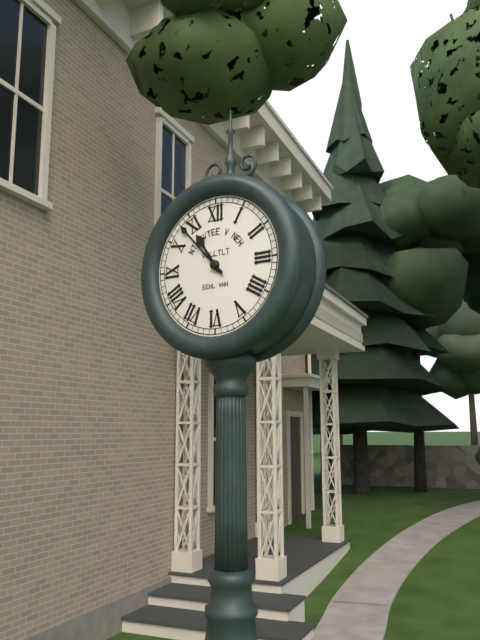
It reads {"hour": 10, "minute": 53}
